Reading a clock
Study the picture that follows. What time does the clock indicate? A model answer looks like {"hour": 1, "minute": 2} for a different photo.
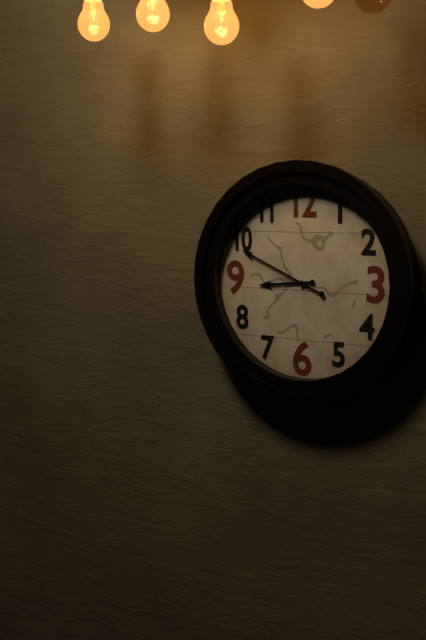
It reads {"hour": 8, "minute": 49}
